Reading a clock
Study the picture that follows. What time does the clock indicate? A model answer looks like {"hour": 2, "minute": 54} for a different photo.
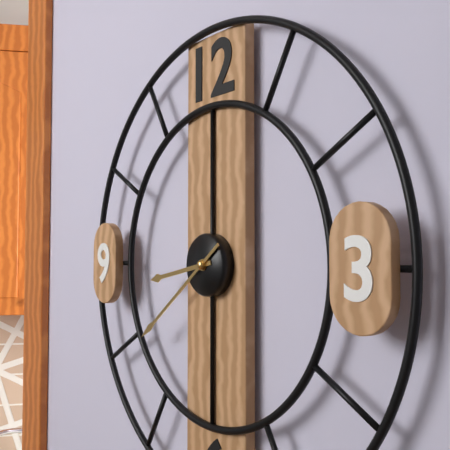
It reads {"hour": 8, "minute": 39}
